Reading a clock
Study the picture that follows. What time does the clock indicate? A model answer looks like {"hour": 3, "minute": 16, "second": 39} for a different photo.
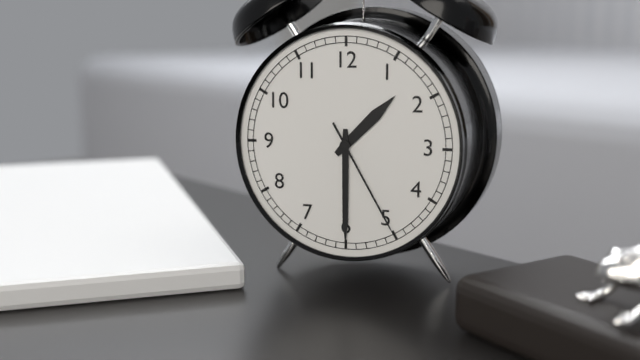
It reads {"hour": 1, "minute": 30, "second": 25}
